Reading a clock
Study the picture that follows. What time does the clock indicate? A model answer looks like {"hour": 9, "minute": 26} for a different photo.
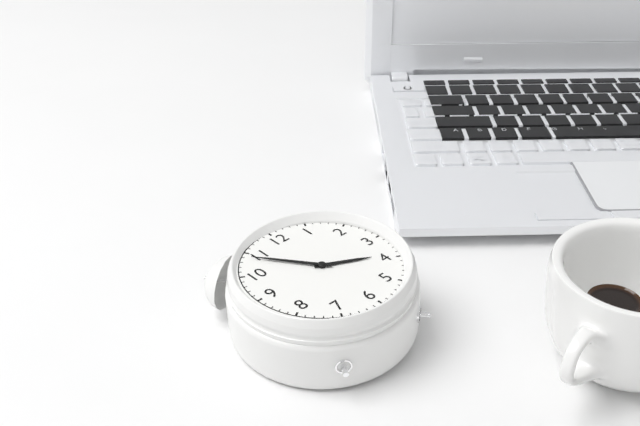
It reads {"hour": 3, "minute": 54}
